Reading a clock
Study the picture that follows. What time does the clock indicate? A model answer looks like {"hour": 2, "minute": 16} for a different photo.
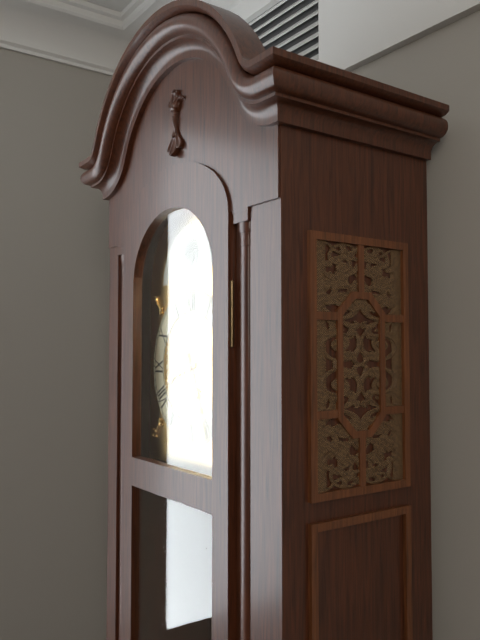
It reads {"hour": 8, "minute": 26}
